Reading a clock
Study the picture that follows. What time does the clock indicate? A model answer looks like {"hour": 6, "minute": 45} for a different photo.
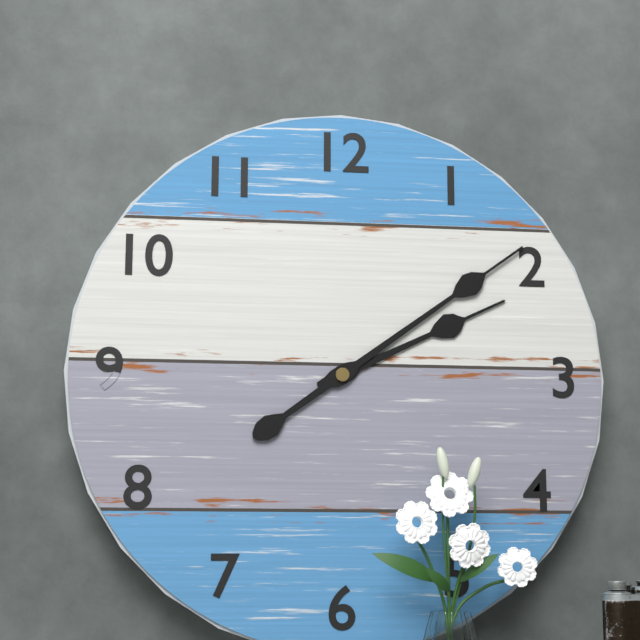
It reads {"hour": 2, "minute": 9}
